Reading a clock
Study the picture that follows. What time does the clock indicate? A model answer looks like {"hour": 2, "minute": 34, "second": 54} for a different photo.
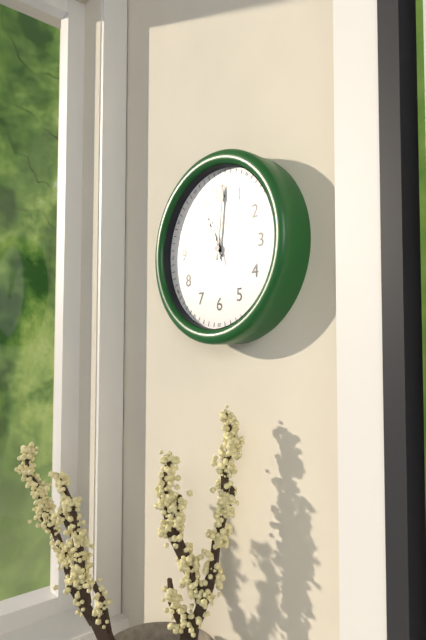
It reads {"hour": 11, "minute": 1, "second": 57}
